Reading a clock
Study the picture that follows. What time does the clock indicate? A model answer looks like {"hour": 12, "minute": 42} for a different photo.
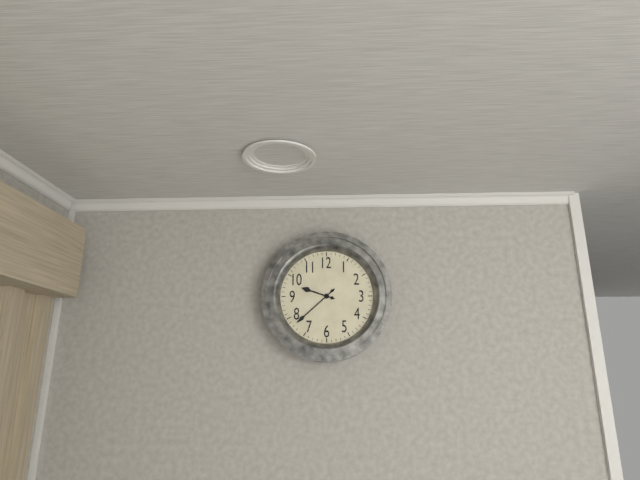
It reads {"hour": 9, "minute": 38}
